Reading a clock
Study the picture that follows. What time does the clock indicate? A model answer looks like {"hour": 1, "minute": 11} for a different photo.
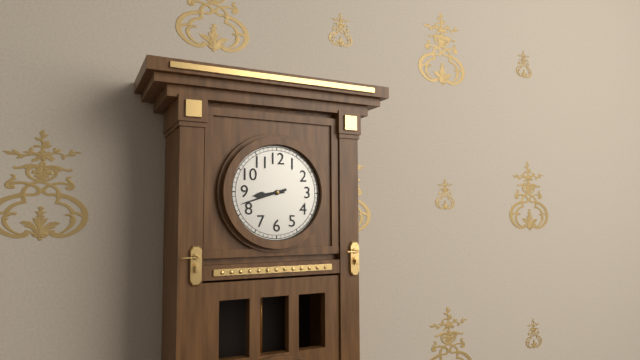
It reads {"hour": 8, "minute": 42}
